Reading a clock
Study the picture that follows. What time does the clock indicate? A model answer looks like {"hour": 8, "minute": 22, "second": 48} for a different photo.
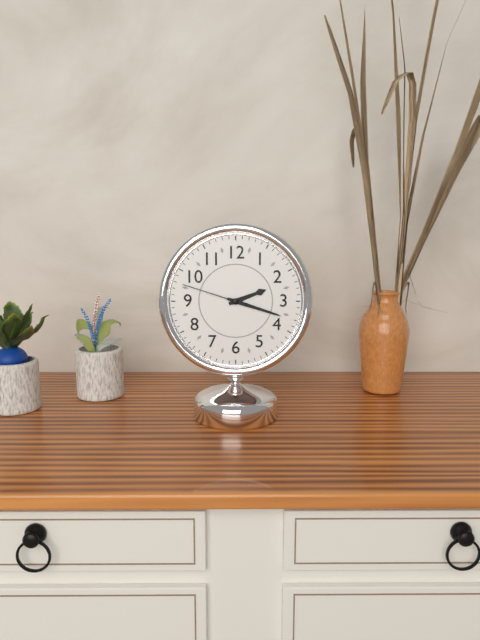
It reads {"hour": 2, "minute": 18, "second": 48}
